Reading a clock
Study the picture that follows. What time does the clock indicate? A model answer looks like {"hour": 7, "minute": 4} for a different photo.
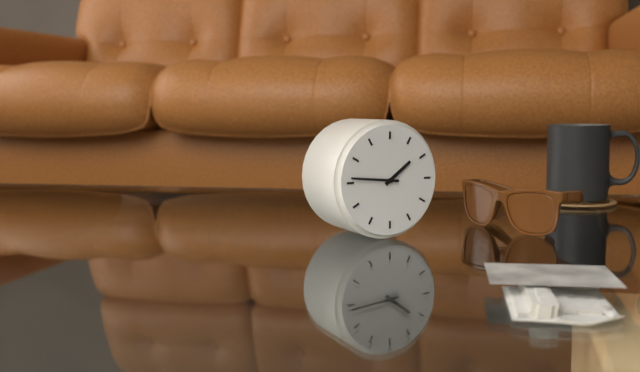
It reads {"hour": 1, "minute": 46}
